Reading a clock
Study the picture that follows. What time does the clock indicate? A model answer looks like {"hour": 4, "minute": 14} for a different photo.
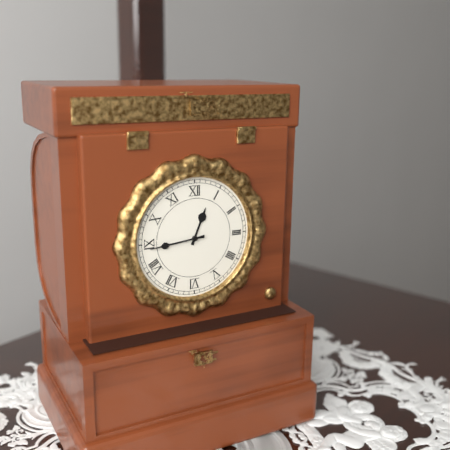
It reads {"hour": 12, "minute": 44}
